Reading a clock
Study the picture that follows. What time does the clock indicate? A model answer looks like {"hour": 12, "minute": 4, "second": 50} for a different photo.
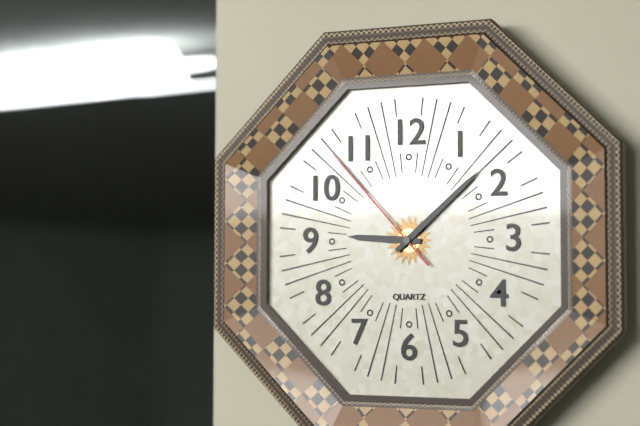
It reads {"hour": 9, "minute": 8, "second": 53}
